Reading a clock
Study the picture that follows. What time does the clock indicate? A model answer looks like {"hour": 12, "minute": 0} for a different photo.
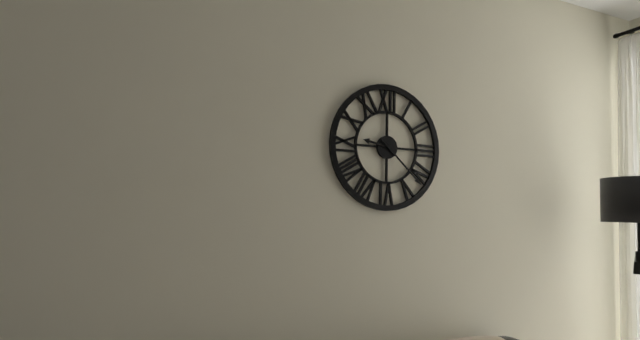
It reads {"hour": 9, "minute": 22}
